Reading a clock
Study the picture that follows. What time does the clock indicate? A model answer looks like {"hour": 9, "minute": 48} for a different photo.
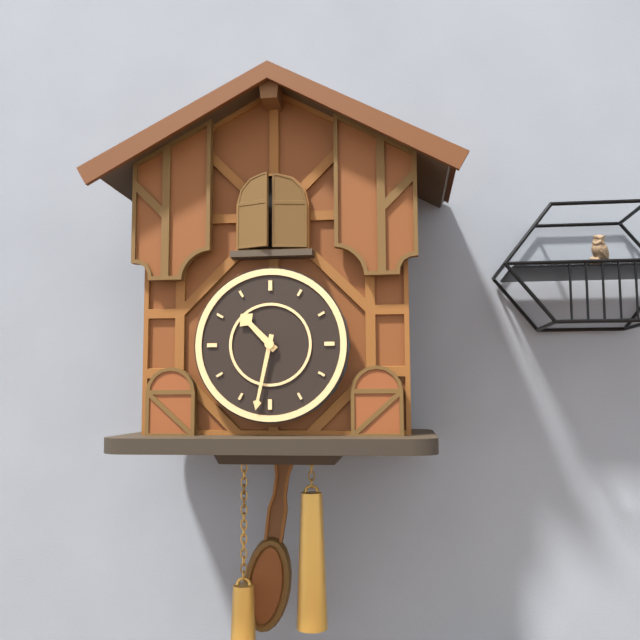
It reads {"hour": 10, "minute": 32}
